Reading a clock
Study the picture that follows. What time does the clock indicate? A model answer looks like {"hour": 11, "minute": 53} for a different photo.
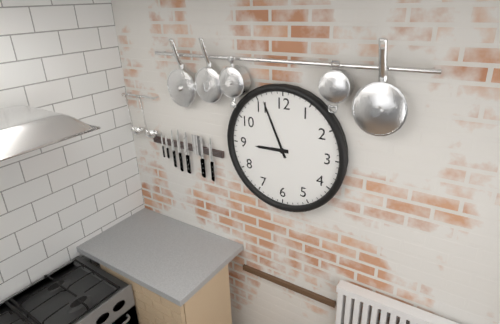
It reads {"hour": 8, "minute": 56}
